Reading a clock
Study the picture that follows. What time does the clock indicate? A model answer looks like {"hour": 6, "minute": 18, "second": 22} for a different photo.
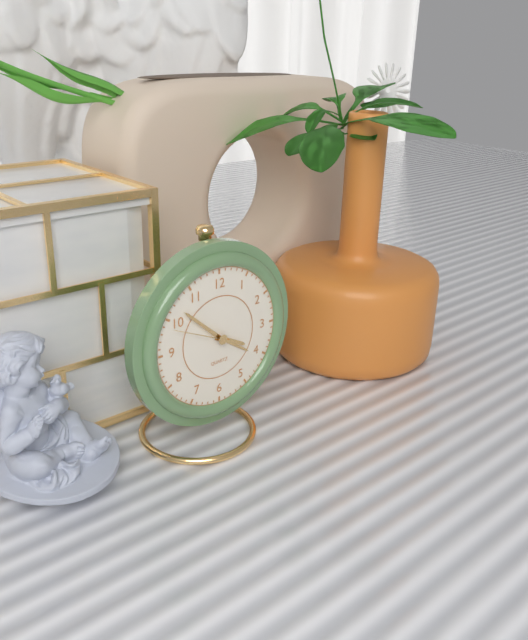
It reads {"hour": 3, "minute": 52, "second": 49}
